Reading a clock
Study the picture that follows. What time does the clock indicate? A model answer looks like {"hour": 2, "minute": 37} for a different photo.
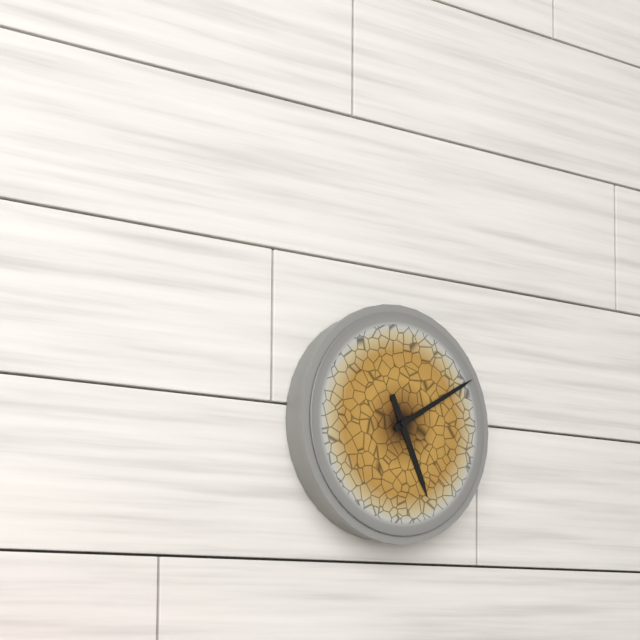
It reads {"hour": 5, "minute": 10}
